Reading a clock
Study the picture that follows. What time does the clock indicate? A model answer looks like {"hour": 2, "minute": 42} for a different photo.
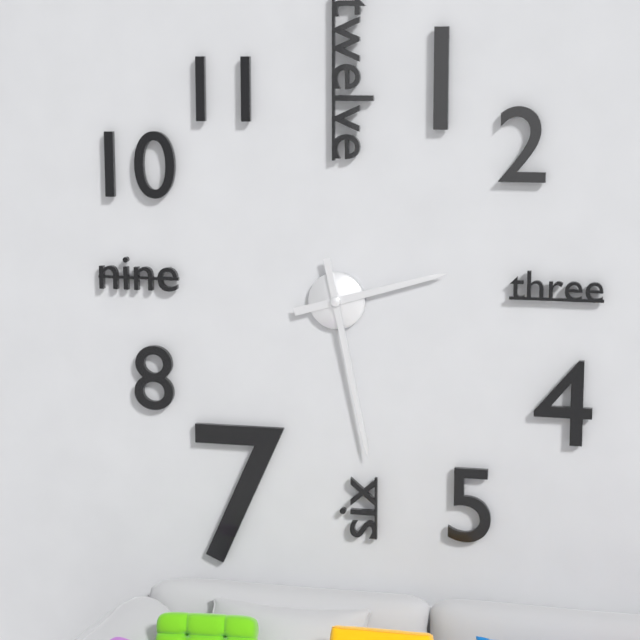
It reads {"hour": 2, "minute": 28}
